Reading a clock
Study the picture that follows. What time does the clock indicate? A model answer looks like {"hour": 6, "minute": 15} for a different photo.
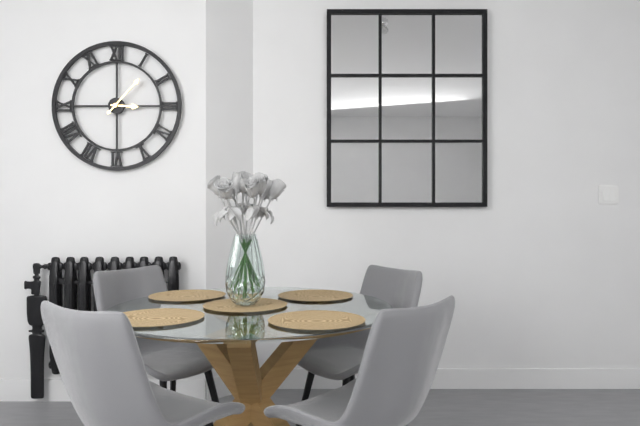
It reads {"hour": 3, "minute": 7}
